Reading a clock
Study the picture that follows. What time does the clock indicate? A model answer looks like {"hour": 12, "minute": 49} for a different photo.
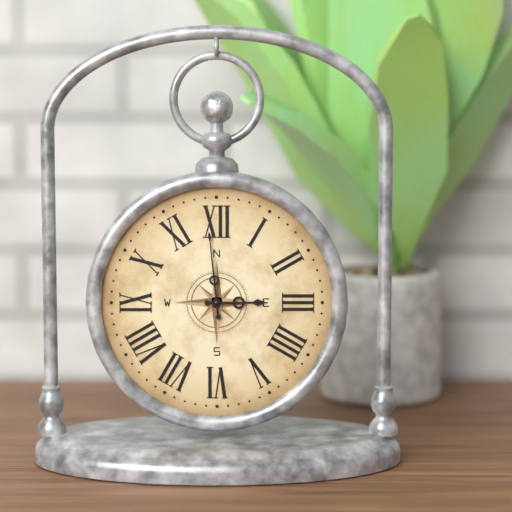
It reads {"hour": 2, "minute": 59}
